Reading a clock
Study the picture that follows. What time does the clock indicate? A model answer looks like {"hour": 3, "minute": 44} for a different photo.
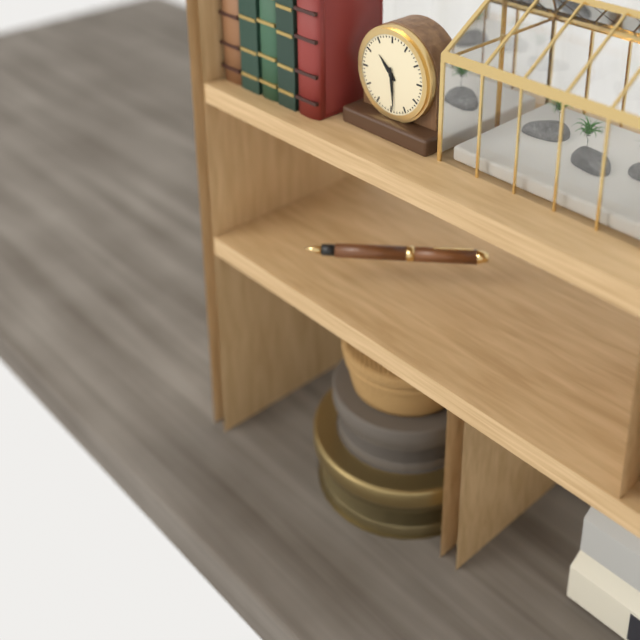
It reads {"hour": 10, "minute": 29}
